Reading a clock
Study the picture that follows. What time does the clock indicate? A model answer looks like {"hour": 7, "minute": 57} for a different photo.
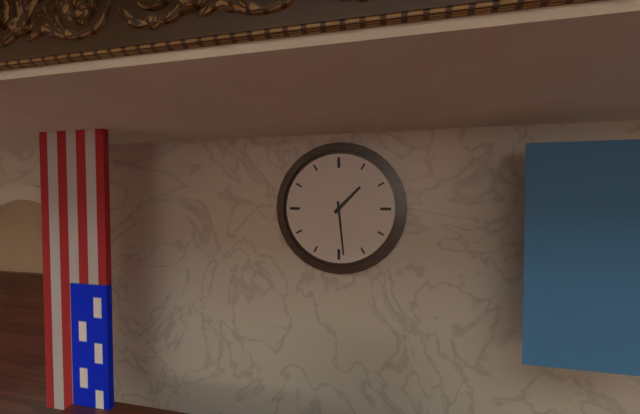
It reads {"hour": 1, "minute": 29}
